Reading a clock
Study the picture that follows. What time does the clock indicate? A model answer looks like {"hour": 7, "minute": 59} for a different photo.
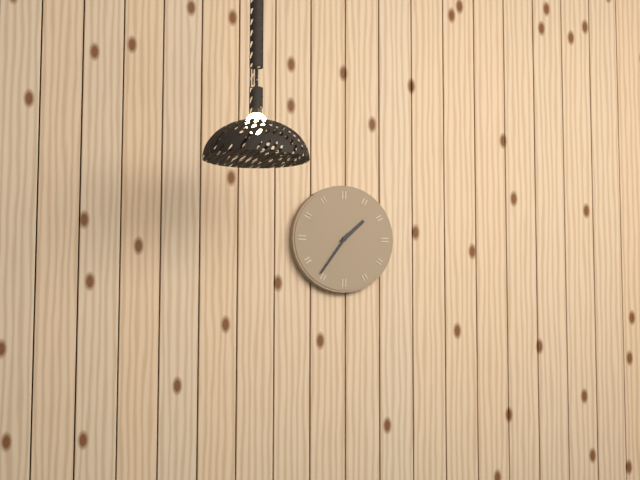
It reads {"hour": 1, "minute": 36}
